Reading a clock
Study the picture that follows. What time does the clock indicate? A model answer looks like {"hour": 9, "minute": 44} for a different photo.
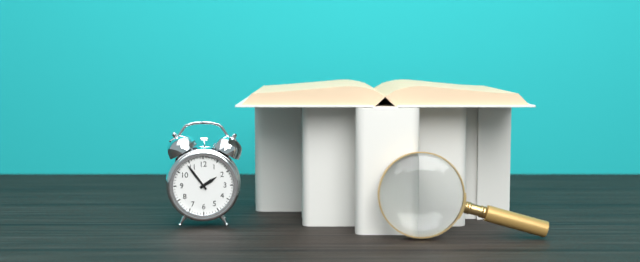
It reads {"hour": 1, "minute": 54}
